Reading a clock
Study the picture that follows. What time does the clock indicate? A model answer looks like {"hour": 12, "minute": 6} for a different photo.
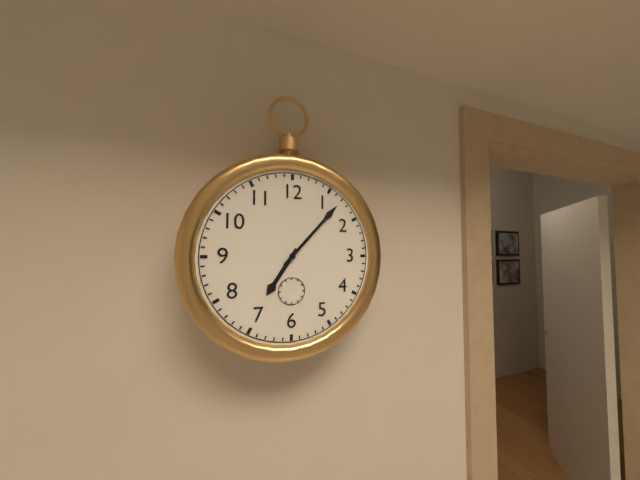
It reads {"hour": 7, "minute": 7}
